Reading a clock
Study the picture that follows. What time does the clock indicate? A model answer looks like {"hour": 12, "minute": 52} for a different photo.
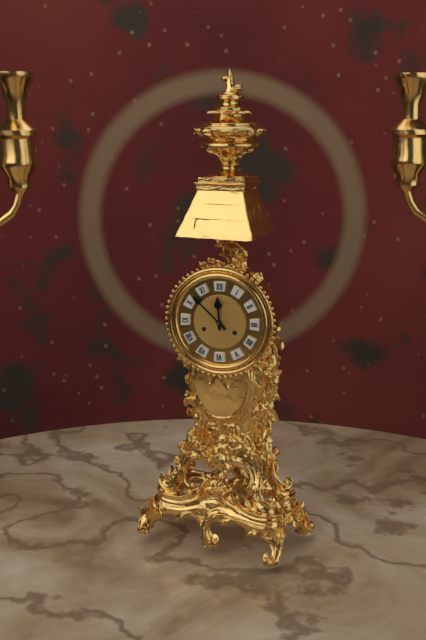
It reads {"hour": 11, "minute": 52}
